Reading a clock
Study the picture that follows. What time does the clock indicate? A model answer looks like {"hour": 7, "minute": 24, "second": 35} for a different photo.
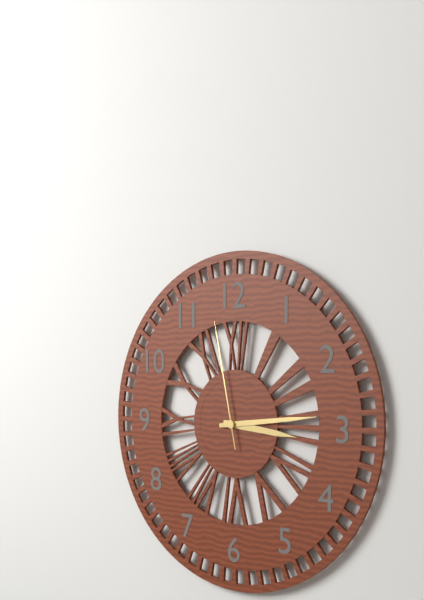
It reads {"hour": 3, "minute": 14, "second": 58}
